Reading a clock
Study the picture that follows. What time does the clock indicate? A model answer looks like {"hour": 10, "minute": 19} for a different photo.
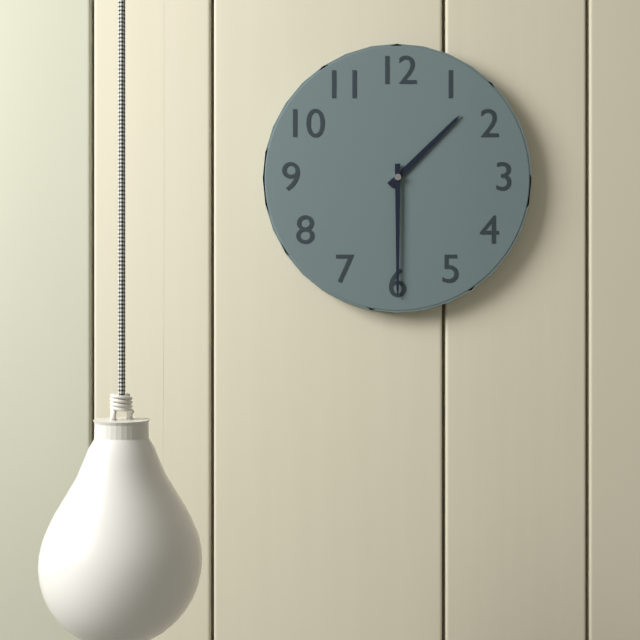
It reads {"hour": 1, "minute": 30}
